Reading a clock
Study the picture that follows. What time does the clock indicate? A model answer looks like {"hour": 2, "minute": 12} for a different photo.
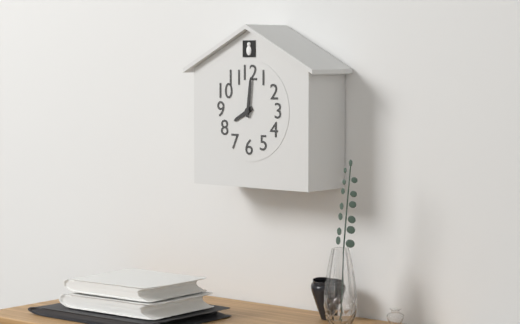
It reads {"hour": 8, "minute": 1}
